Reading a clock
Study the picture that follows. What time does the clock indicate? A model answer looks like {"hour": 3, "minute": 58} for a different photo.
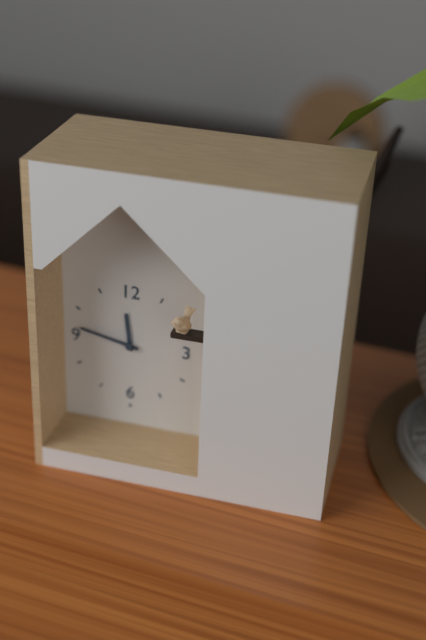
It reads {"hour": 11, "minute": 47}
